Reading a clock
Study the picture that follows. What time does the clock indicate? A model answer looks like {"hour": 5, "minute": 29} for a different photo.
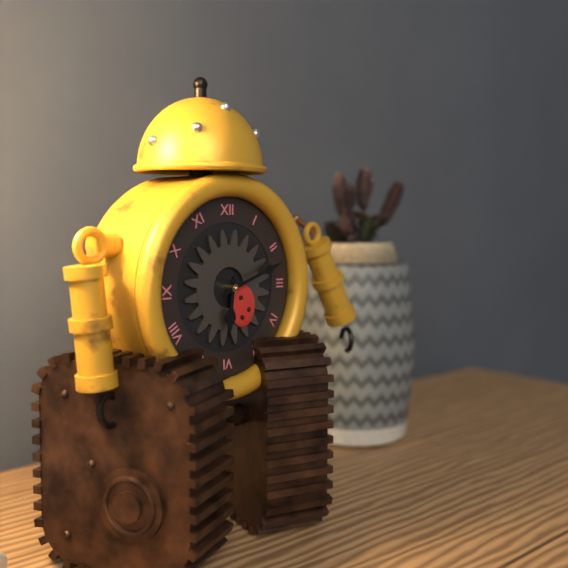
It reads {"hour": 6, "minute": 12}
